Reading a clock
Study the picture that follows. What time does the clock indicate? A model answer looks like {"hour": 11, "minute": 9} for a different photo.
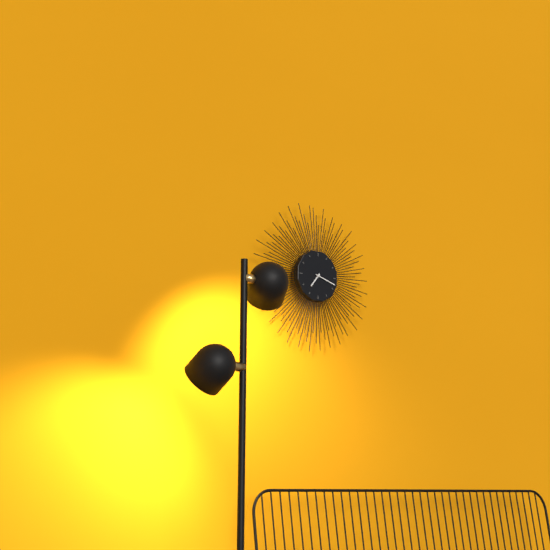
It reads {"hour": 7, "minute": 18}
